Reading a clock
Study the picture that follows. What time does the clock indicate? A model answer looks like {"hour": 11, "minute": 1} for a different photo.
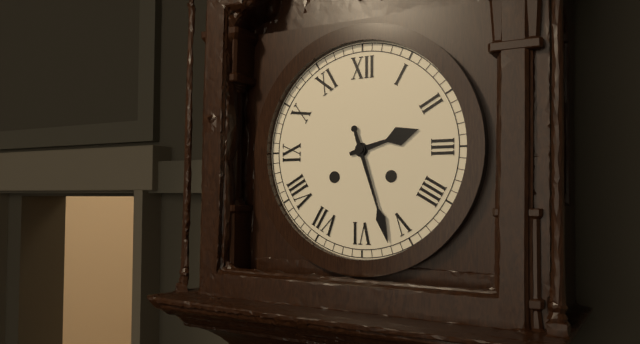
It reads {"hour": 2, "minute": 27}
